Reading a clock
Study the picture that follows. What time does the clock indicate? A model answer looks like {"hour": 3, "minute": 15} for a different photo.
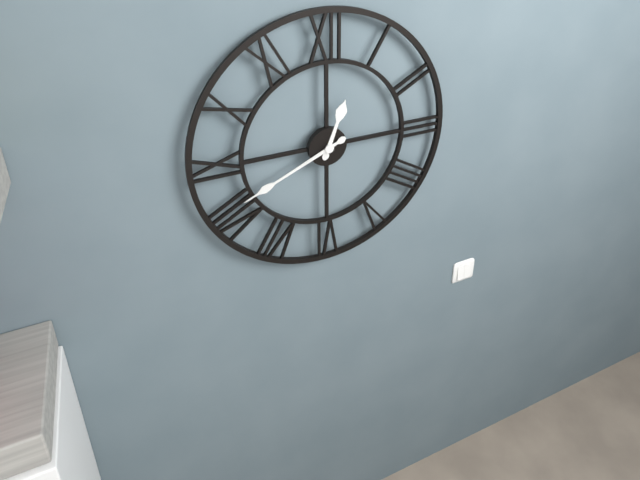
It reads {"hour": 12, "minute": 41}
